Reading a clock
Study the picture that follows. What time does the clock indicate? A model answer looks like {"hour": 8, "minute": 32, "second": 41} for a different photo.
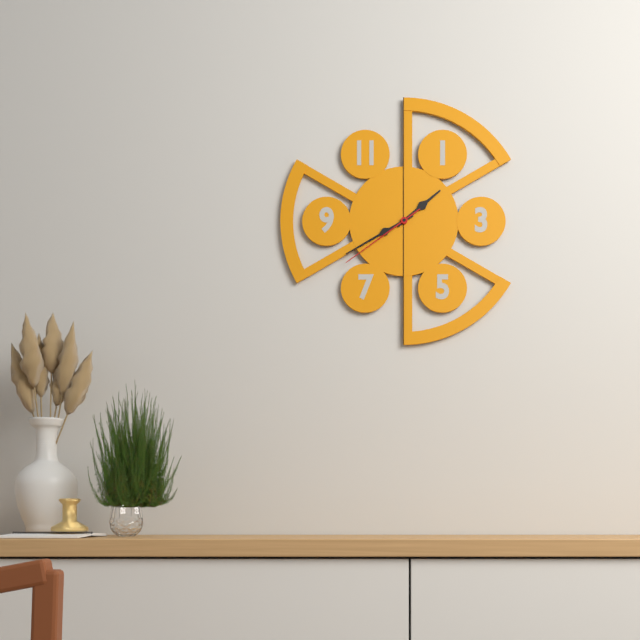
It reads {"hour": 1, "minute": 40, "second": 39}
